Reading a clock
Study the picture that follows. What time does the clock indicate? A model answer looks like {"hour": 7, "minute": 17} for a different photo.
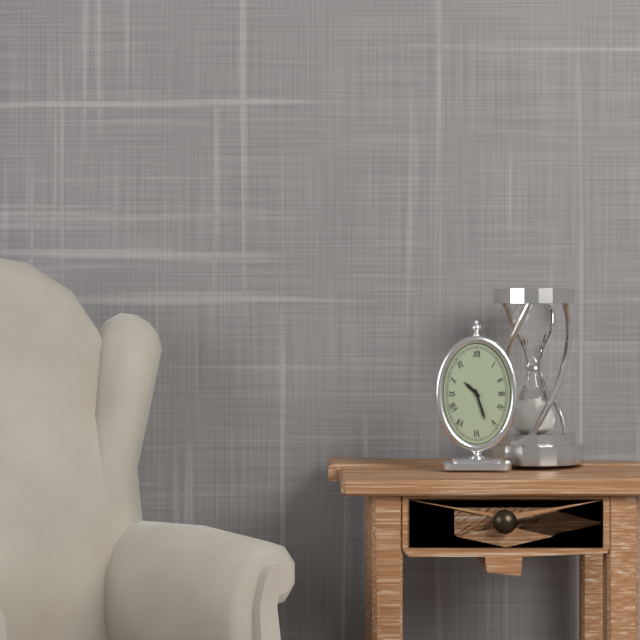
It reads {"hour": 10, "minute": 27}
